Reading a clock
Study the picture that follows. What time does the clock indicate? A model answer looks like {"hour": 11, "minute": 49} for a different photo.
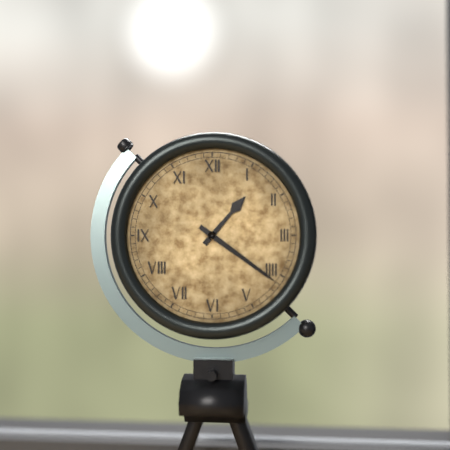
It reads {"hour": 1, "minute": 21}
